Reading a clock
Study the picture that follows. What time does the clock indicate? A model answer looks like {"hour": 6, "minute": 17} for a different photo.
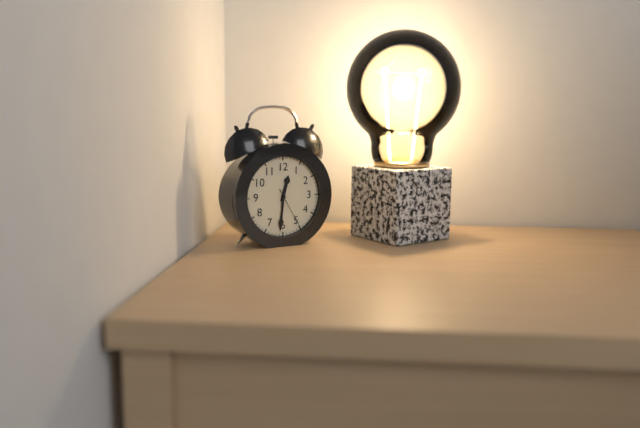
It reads {"hour": 12, "minute": 31}
